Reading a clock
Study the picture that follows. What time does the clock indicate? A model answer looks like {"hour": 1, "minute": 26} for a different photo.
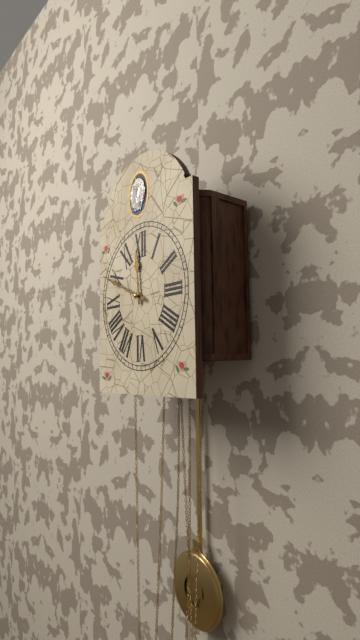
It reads {"hour": 11, "minute": 49}
